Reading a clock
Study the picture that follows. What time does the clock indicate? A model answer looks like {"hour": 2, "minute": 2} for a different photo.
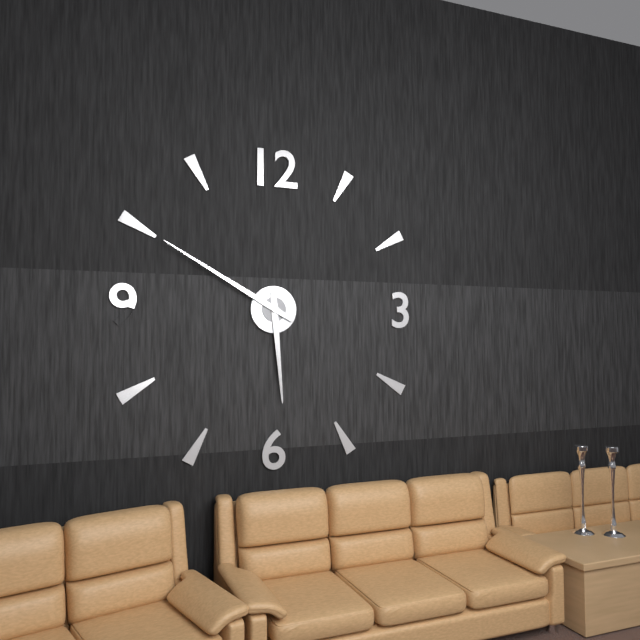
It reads {"hour": 5, "minute": 50}
